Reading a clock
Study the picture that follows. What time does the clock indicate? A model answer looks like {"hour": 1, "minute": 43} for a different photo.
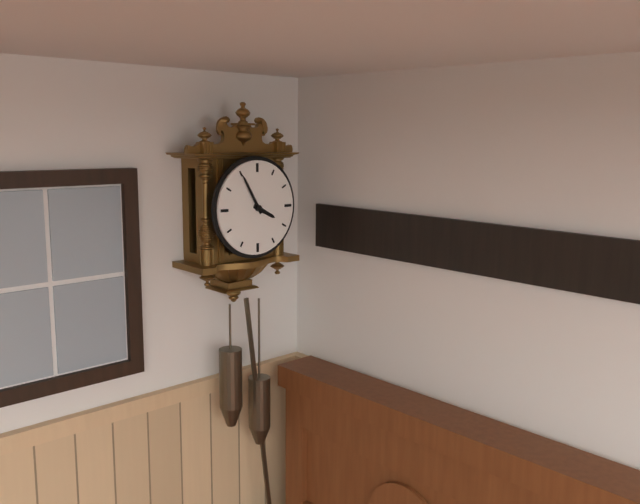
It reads {"hour": 3, "minute": 55}
